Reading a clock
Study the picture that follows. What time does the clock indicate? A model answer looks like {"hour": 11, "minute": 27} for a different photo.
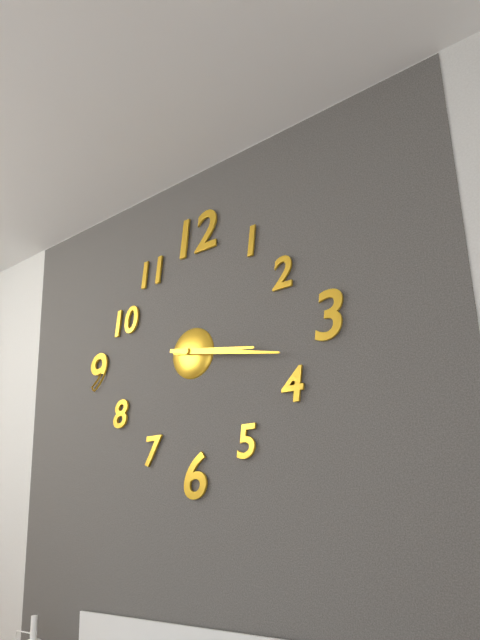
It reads {"hour": 3, "minute": 17}
